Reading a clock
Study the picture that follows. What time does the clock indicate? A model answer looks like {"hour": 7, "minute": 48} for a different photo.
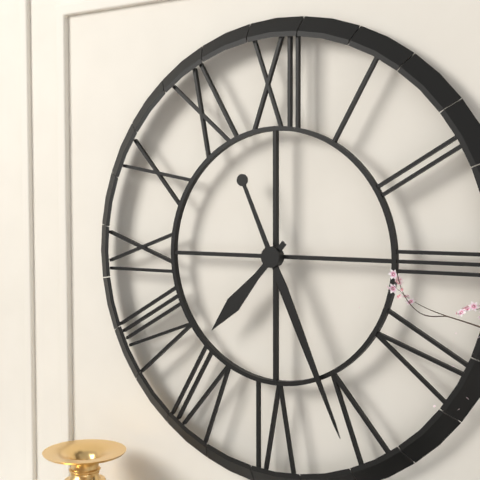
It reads {"hour": 7, "minute": 26}
